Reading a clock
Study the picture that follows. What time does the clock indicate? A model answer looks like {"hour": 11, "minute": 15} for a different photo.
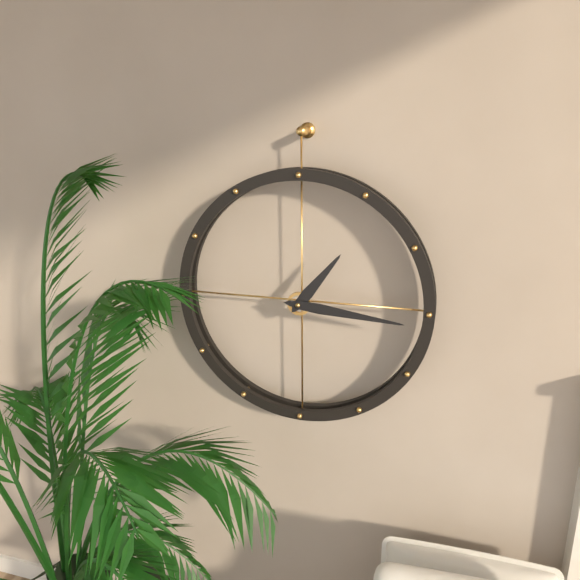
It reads {"hour": 1, "minute": 16}
